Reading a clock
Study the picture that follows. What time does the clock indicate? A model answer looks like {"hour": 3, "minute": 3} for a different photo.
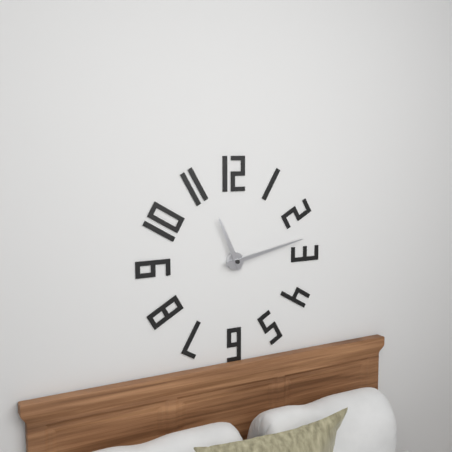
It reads {"hour": 11, "minute": 13}
